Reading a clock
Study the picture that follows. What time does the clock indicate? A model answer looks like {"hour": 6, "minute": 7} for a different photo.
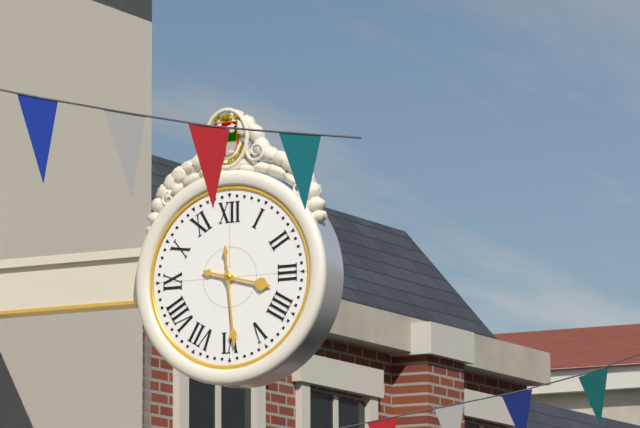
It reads {"hour": 3, "minute": 29}
